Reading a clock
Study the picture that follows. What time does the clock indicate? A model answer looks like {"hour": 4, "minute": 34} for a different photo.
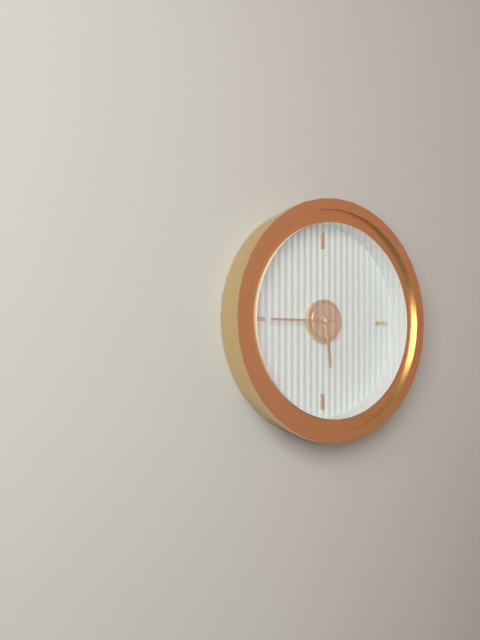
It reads {"hour": 5, "minute": 45}
